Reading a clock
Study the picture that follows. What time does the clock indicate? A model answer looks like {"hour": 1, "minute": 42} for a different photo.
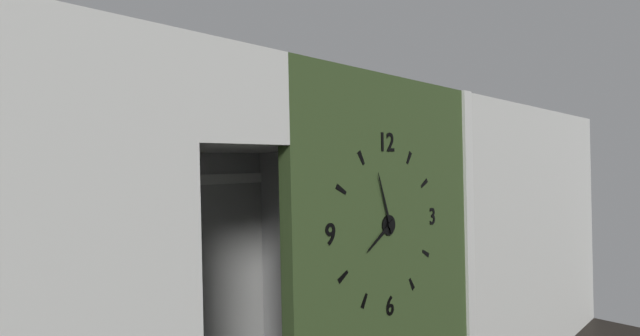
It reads {"hour": 7, "minute": 57}
